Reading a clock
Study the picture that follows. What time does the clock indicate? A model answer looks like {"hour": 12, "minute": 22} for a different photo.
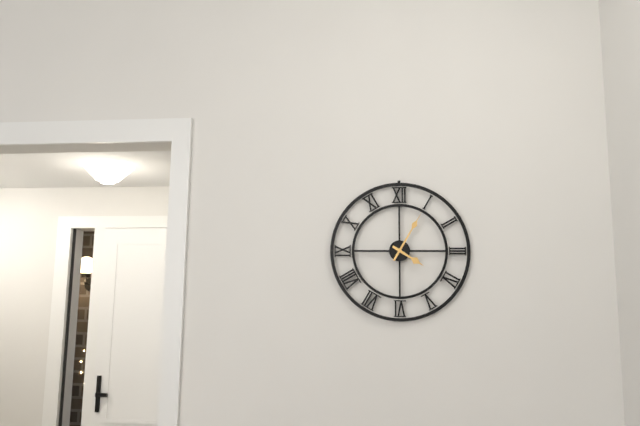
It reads {"hour": 4, "minute": 5}
